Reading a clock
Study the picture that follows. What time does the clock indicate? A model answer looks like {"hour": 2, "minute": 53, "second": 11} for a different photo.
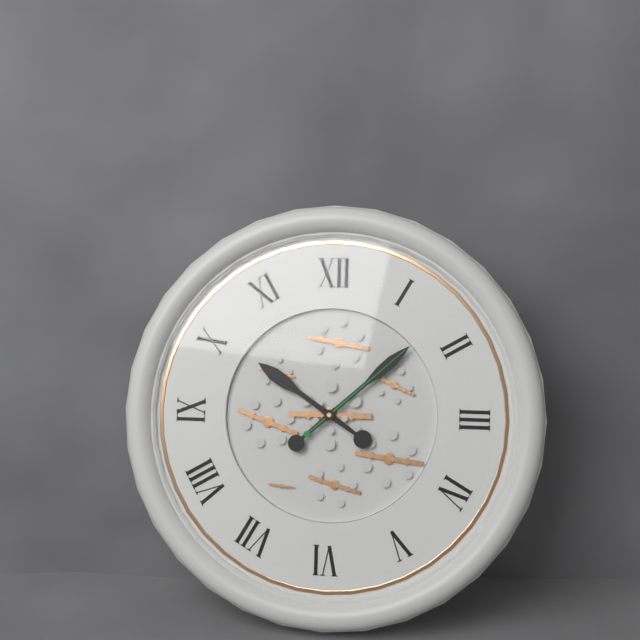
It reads {"hour": 10, "minute": 8, "second": 8}
